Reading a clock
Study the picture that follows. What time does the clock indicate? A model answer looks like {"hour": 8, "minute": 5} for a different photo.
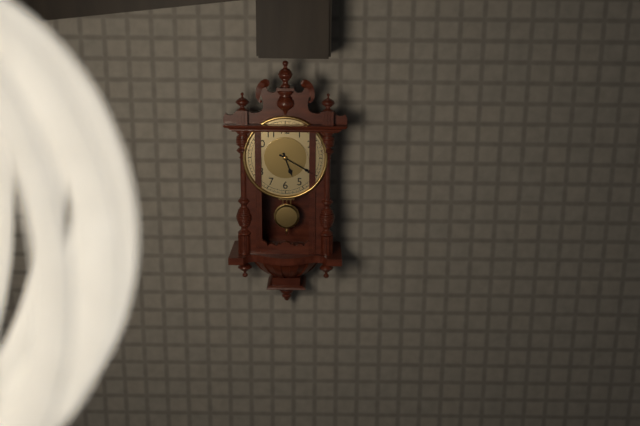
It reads {"hour": 5, "minute": 20}
